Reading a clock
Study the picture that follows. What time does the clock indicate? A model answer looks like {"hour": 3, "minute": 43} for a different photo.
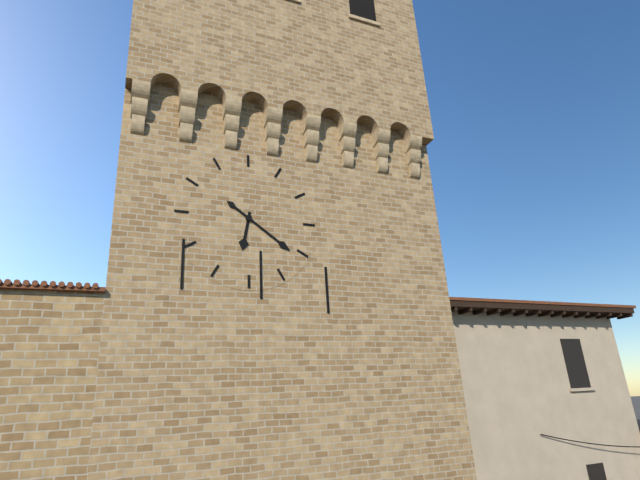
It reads {"hour": 6, "minute": 21}
